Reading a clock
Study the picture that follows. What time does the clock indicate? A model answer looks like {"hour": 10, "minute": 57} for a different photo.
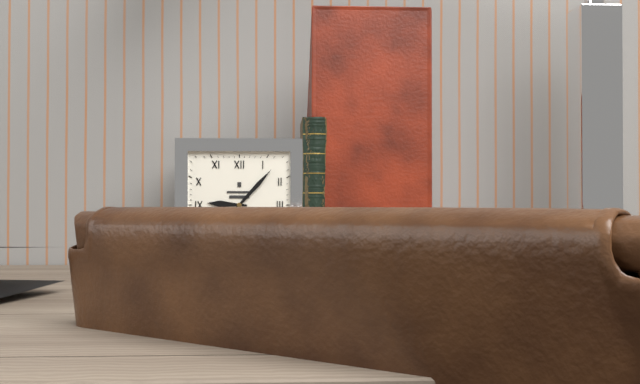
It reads {"hour": 9, "minute": 7}
